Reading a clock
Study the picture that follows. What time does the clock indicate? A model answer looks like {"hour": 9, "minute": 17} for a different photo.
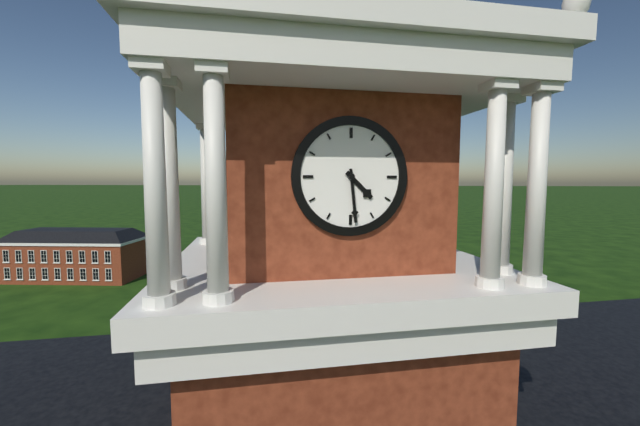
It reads {"hour": 4, "minute": 29}
